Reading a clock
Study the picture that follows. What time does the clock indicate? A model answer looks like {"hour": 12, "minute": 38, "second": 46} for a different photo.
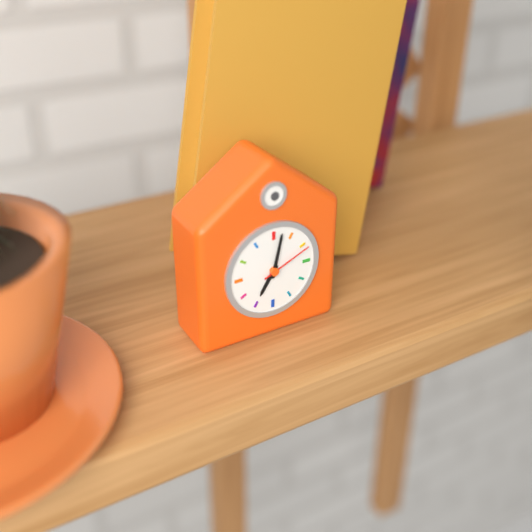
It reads {"hour": 7, "minute": 2, "second": 11}
